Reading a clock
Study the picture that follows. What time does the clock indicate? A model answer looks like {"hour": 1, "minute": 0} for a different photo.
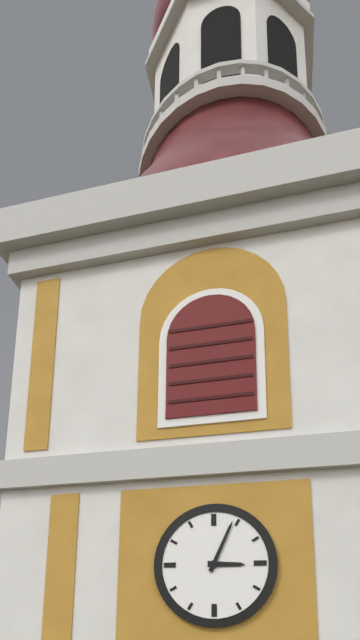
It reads {"hour": 3, "minute": 4}
